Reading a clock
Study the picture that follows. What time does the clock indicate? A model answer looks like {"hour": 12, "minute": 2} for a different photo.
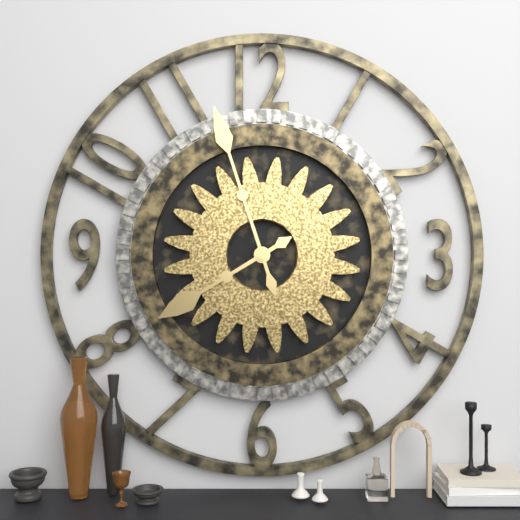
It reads {"hour": 7, "minute": 57}
